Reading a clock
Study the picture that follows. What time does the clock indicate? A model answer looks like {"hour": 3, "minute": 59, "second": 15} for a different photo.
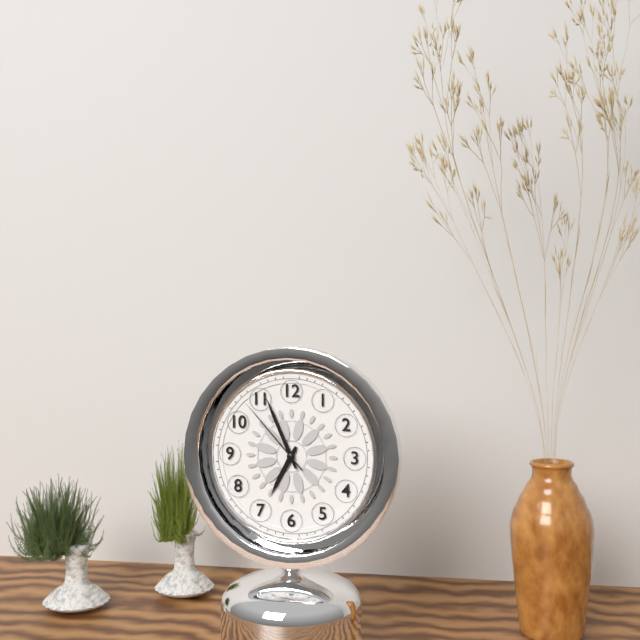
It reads {"hour": 6, "minute": 56, "second": 53}
